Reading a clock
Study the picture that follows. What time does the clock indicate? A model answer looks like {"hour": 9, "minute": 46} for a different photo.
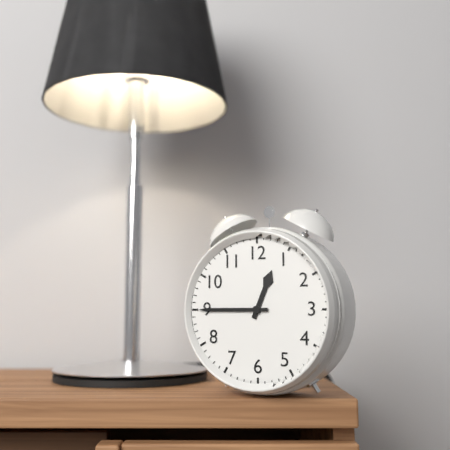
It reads {"hour": 12, "minute": 45}
